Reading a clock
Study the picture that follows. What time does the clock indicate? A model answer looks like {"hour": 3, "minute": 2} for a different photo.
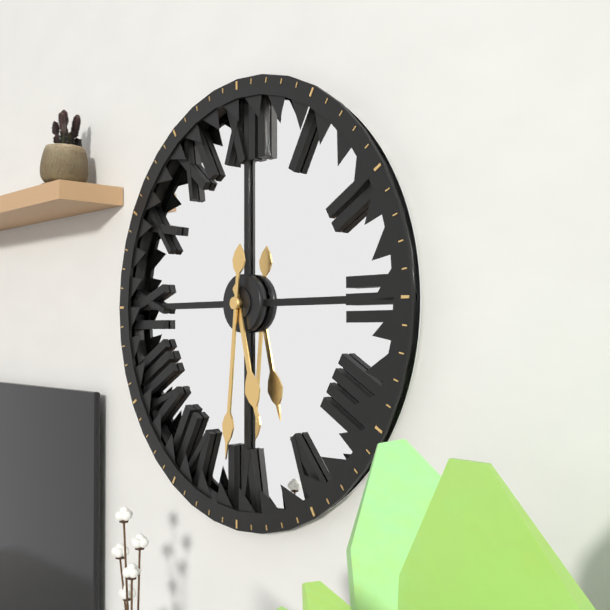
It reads {"hour": 5, "minute": 31}
